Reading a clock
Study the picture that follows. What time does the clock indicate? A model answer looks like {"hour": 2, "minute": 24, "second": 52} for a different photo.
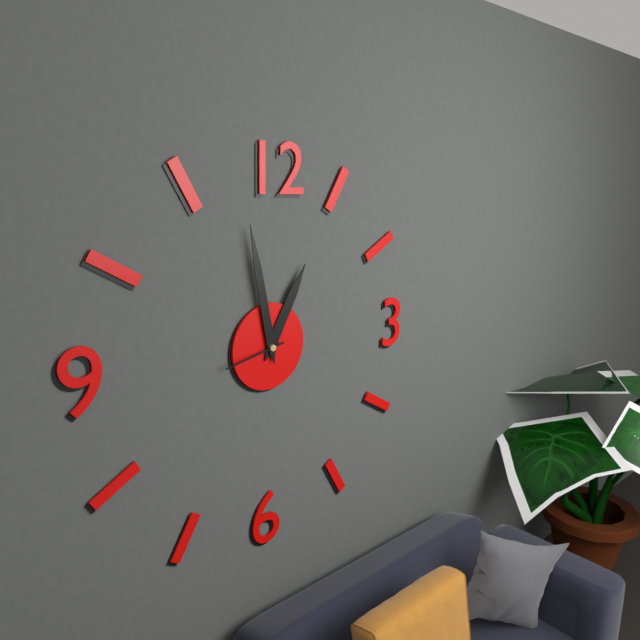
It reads {"hour": 12, "minute": 58, "second": 43}
